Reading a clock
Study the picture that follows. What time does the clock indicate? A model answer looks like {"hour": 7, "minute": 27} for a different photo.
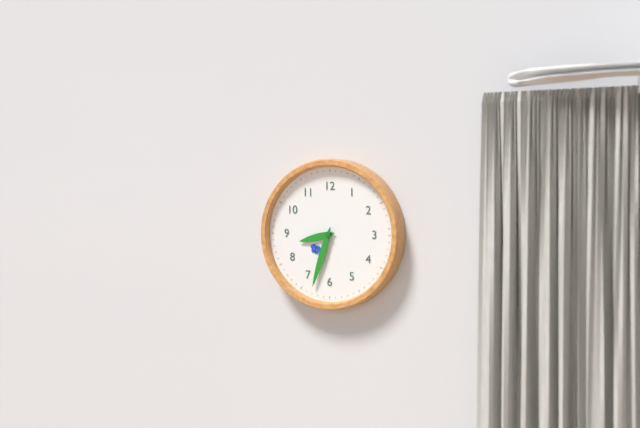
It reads {"hour": 8, "minute": 33}
